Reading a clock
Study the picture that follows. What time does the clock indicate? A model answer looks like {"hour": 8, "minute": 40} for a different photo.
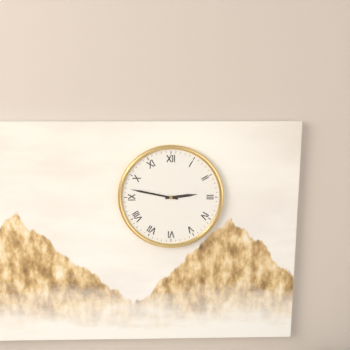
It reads {"hour": 2, "minute": 47}
